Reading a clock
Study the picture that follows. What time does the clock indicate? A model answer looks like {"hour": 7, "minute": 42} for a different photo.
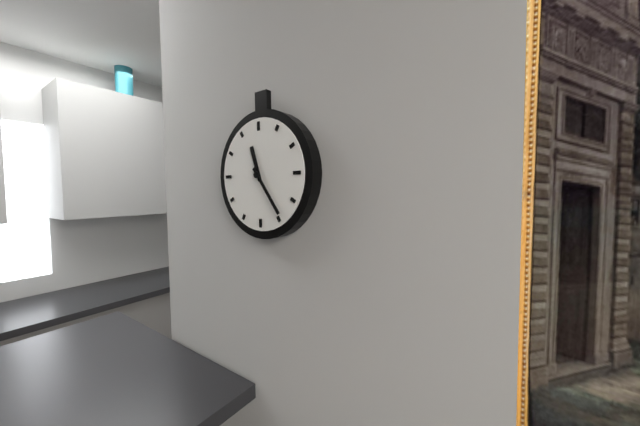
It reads {"hour": 11, "minute": 24}
